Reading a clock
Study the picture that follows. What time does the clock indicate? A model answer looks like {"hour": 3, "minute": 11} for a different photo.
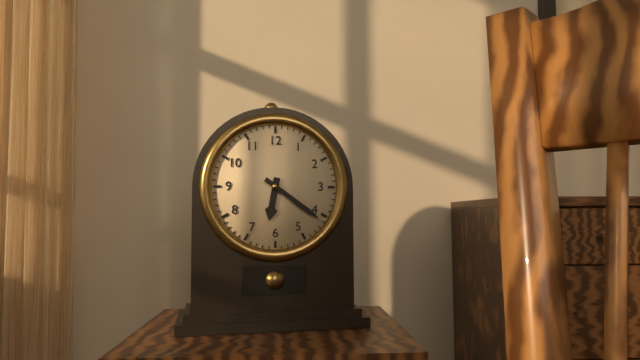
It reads {"hour": 6, "minute": 21}
